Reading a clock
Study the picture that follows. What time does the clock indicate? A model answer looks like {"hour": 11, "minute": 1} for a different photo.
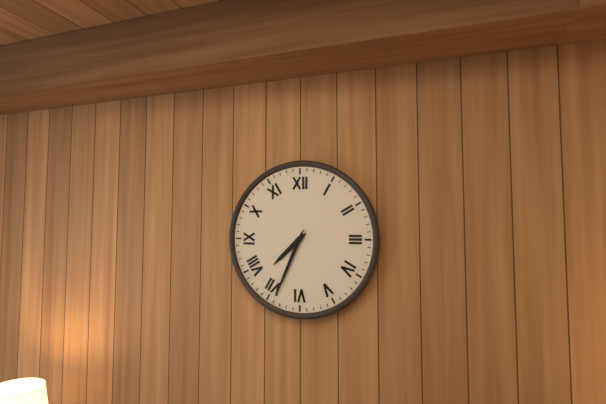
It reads {"hour": 7, "minute": 34}
